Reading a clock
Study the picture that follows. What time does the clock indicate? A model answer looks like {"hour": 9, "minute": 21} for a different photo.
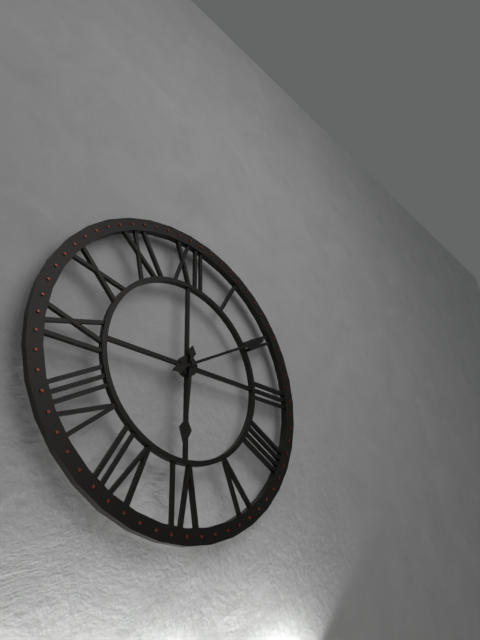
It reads {"hour": 6, "minute": 10}
